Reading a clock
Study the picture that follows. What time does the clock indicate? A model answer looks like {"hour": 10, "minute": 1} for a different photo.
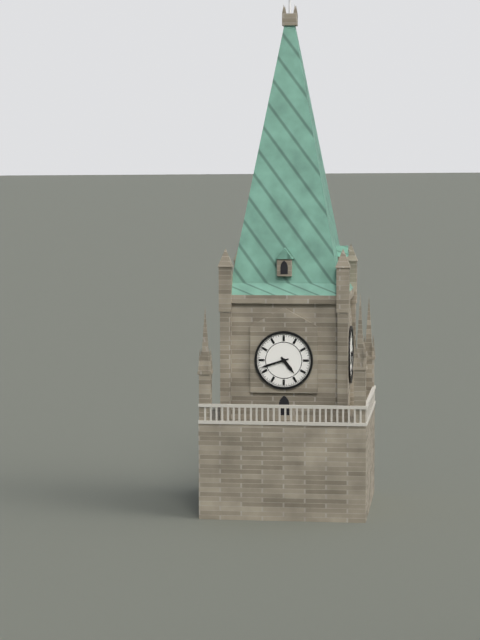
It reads {"hour": 4, "minute": 42}
